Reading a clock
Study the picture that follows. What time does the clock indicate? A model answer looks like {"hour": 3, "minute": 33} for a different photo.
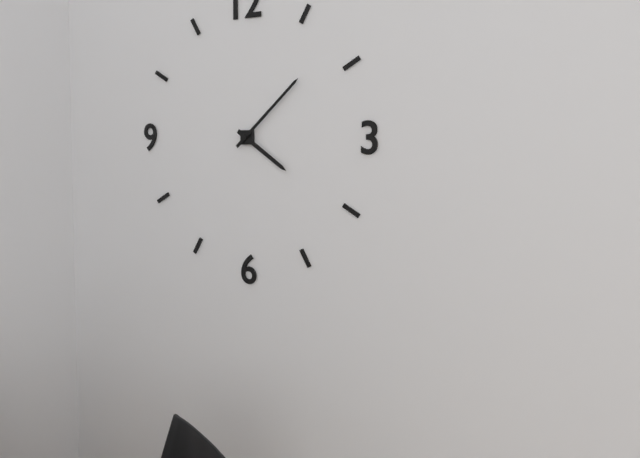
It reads {"hour": 4, "minute": 8}
